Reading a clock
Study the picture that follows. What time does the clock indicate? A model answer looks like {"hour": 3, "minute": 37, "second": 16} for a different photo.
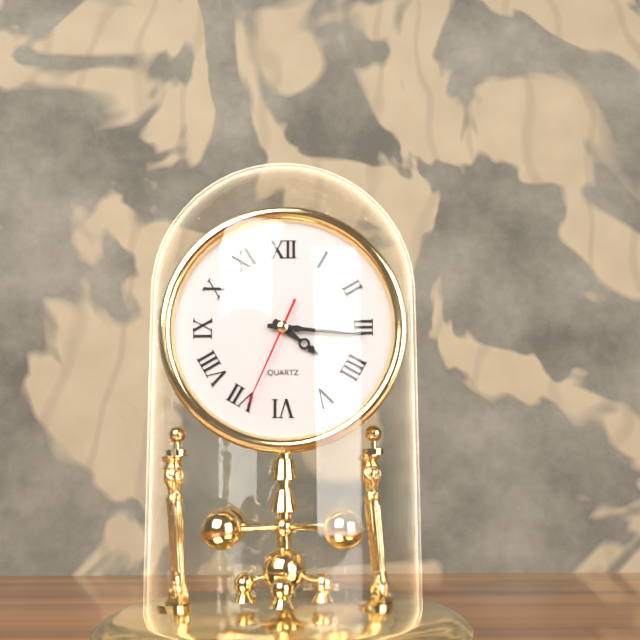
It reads {"hour": 4, "minute": 16, "second": 34}
